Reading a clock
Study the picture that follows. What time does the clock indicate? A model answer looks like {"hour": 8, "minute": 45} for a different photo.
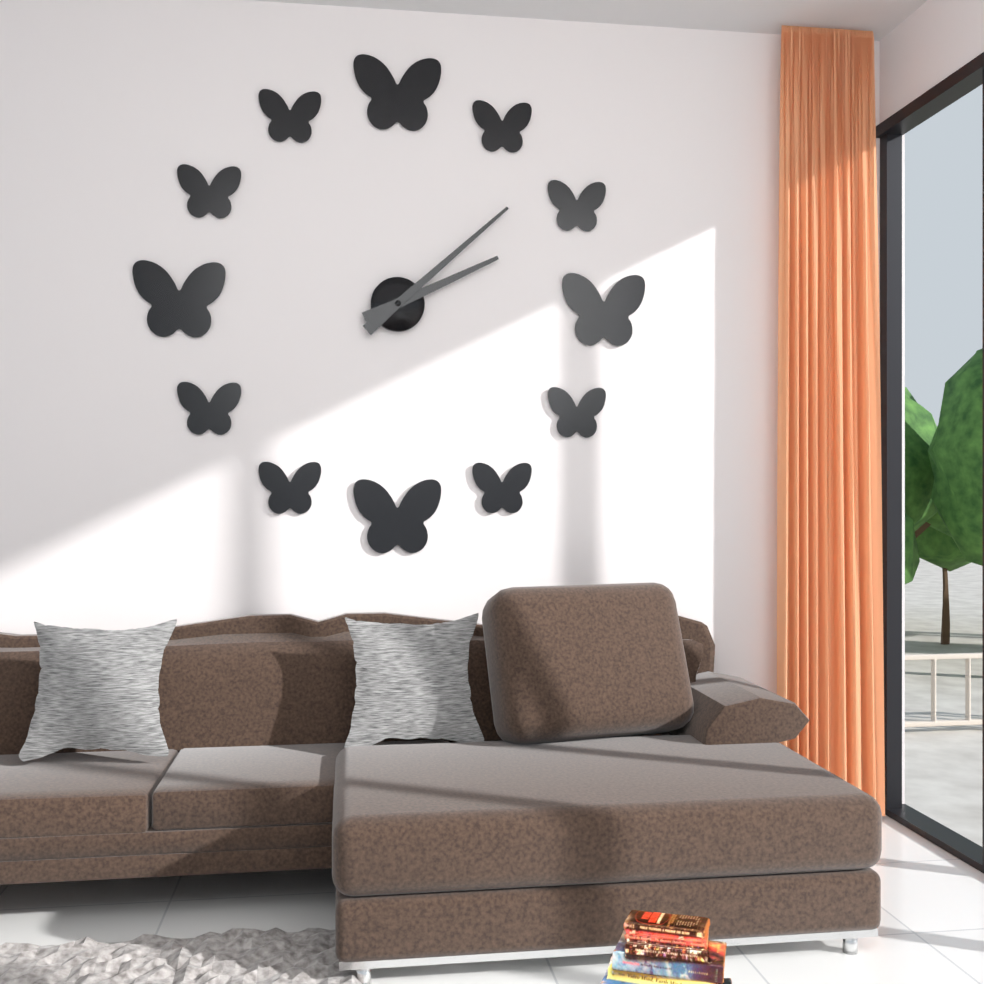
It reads {"hour": 2, "minute": 8}
